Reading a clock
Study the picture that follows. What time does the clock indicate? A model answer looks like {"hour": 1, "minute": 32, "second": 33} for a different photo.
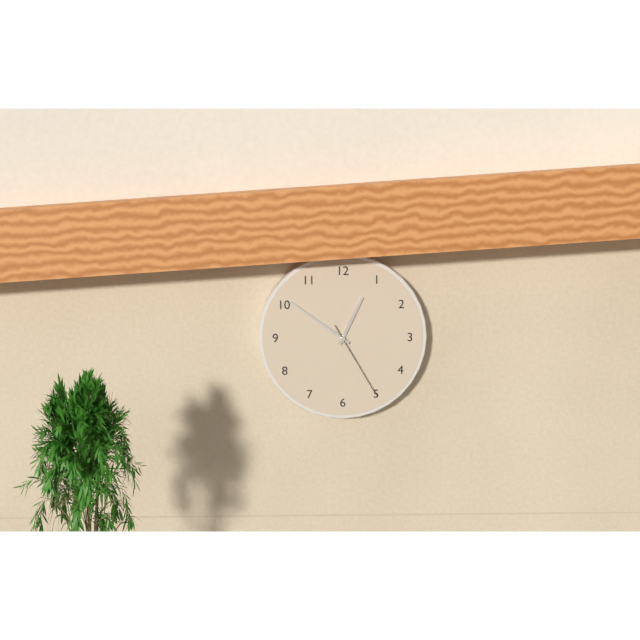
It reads {"hour": 12, "minute": 51, "second": 25}
